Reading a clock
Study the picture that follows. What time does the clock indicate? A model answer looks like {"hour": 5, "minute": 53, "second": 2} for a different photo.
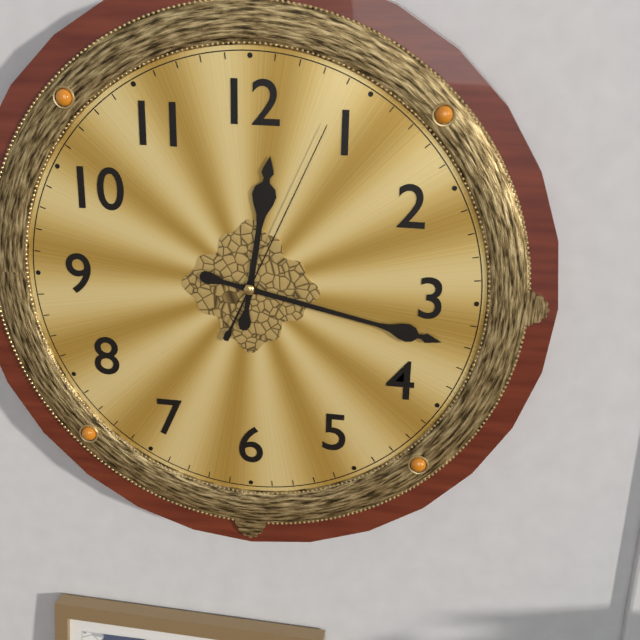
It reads {"hour": 12, "minute": 17, "second": 4}
